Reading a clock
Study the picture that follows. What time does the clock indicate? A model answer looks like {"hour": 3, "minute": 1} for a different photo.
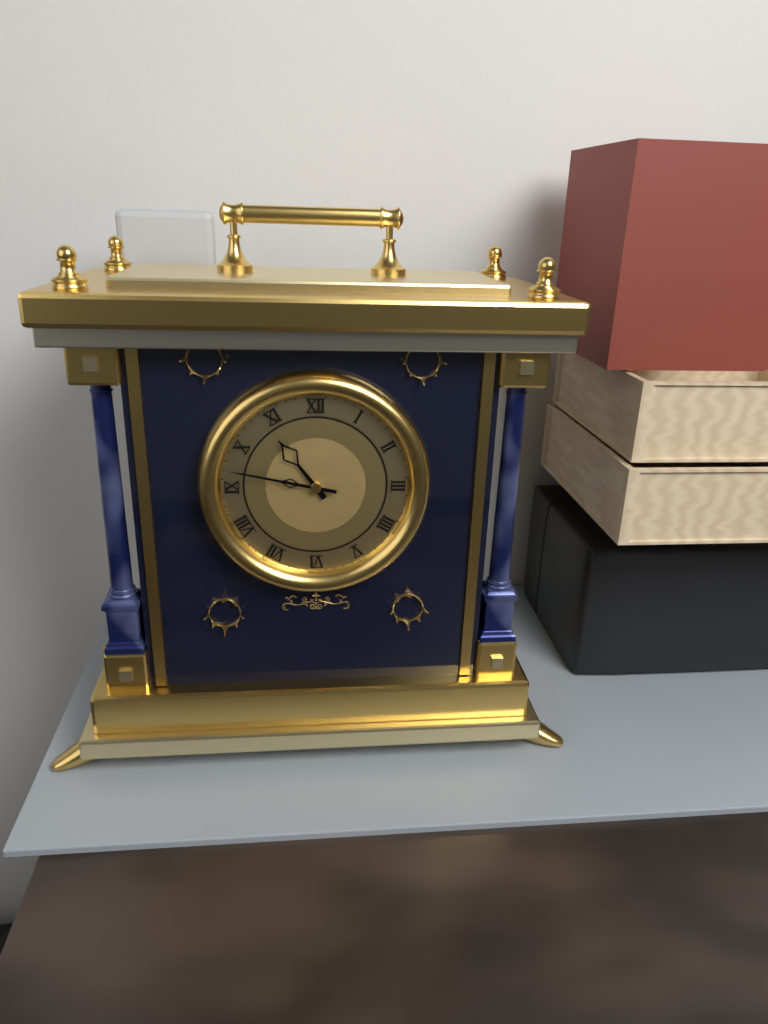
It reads {"hour": 10, "minute": 47}
